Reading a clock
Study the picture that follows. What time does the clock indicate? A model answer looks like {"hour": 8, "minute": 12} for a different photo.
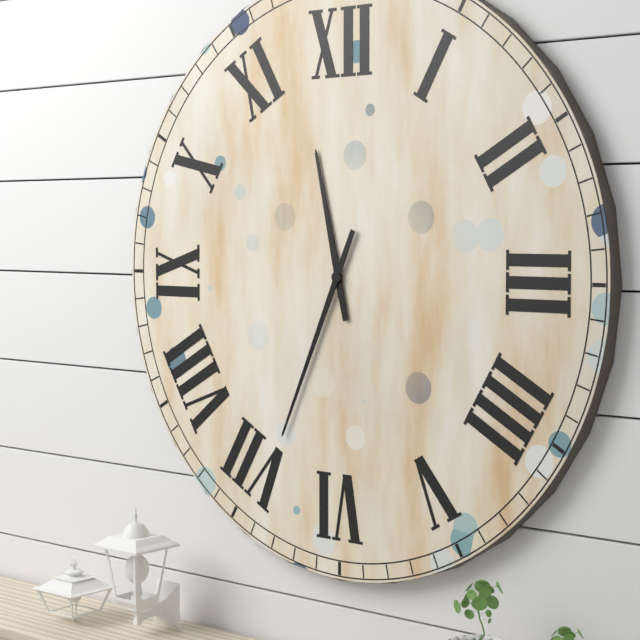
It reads {"hour": 11, "minute": 34}
